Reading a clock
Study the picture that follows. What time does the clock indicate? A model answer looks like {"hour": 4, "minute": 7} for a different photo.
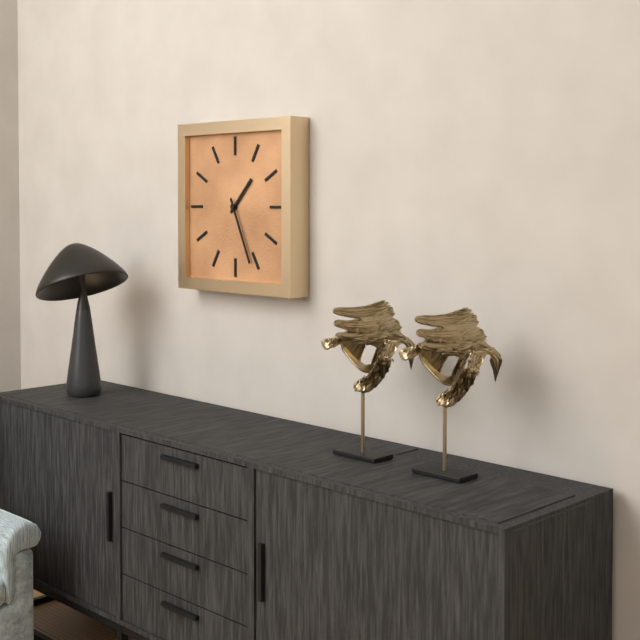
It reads {"hour": 1, "minute": 26}
